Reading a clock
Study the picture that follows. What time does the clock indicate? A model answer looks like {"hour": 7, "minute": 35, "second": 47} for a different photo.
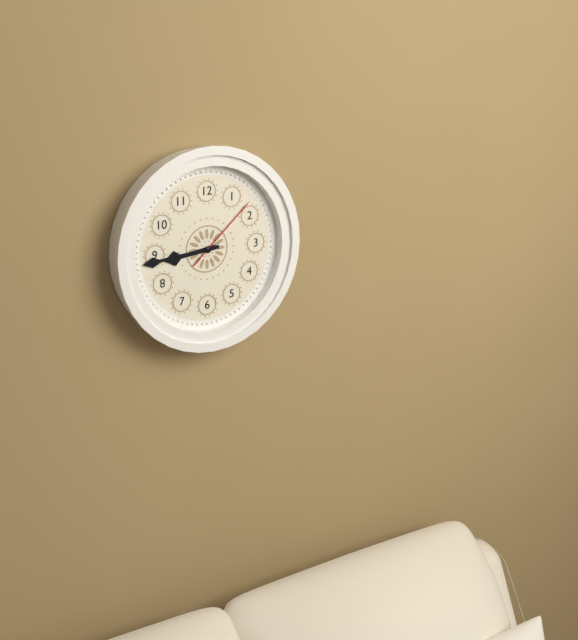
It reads {"hour": 8, "minute": 44, "second": 8}
